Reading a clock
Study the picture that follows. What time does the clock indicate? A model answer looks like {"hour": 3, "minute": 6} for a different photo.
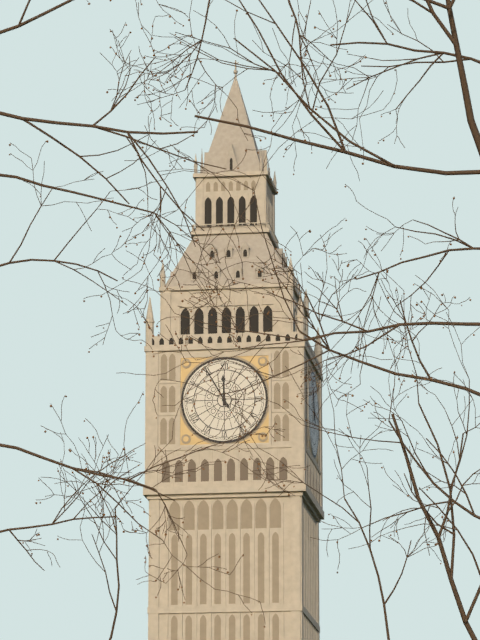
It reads {"hour": 11, "minute": 55}
